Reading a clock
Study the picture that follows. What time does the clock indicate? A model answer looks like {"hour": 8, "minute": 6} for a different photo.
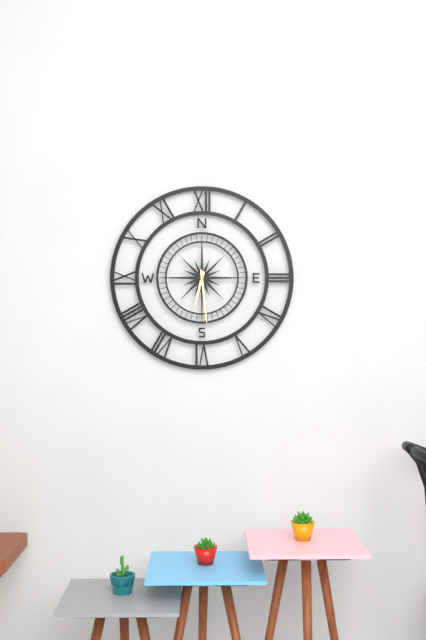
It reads {"hour": 6, "minute": 29}
